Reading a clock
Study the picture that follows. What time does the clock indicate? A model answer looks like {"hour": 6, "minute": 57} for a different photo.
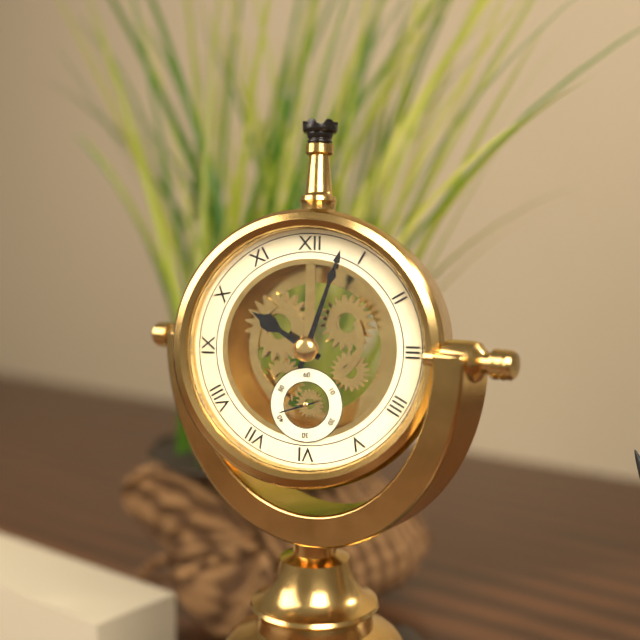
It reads {"hour": 10, "minute": 3}
